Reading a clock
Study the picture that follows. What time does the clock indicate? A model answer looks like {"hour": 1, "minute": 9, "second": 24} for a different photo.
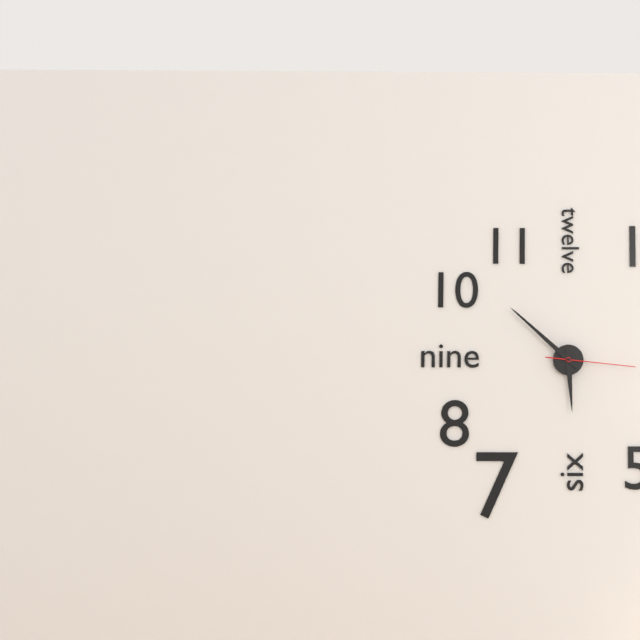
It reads {"hour": 5, "minute": 52, "second": 16}
